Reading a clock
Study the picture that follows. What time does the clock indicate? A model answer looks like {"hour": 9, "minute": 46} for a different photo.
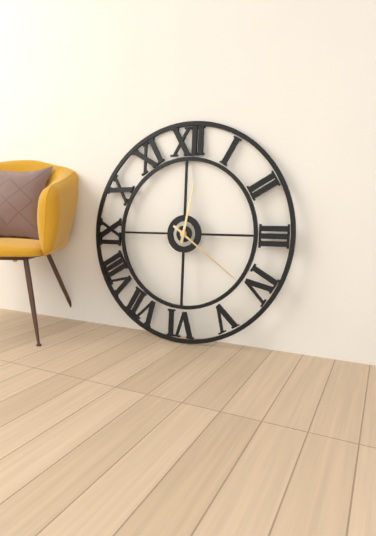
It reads {"hour": 12, "minute": 21}
